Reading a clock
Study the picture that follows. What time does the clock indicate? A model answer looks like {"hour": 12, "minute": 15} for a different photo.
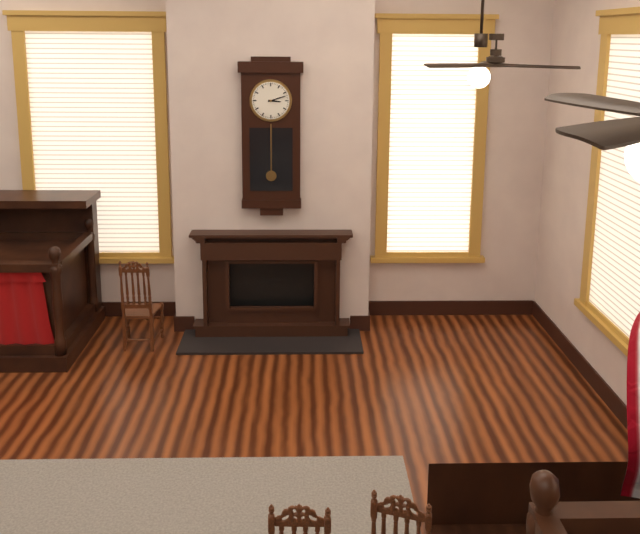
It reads {"hour": 3, "minute": 12}
